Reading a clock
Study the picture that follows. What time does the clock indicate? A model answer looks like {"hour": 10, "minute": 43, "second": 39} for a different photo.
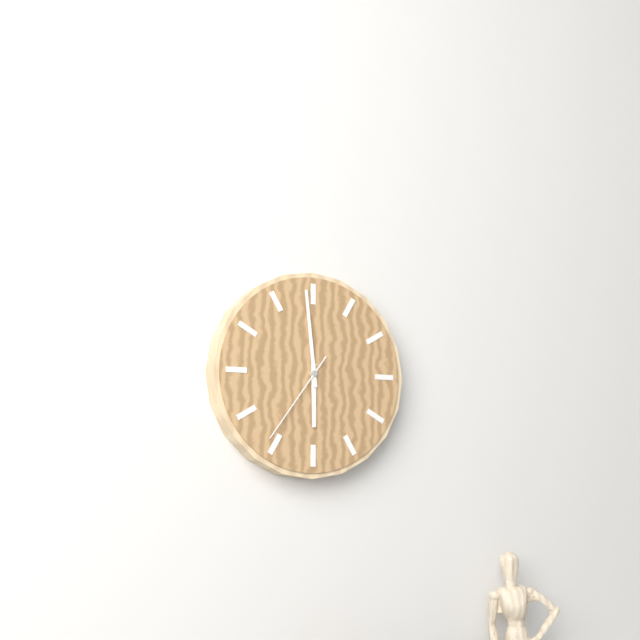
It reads {"hour": 5, "minute": 59, "second": 36}
